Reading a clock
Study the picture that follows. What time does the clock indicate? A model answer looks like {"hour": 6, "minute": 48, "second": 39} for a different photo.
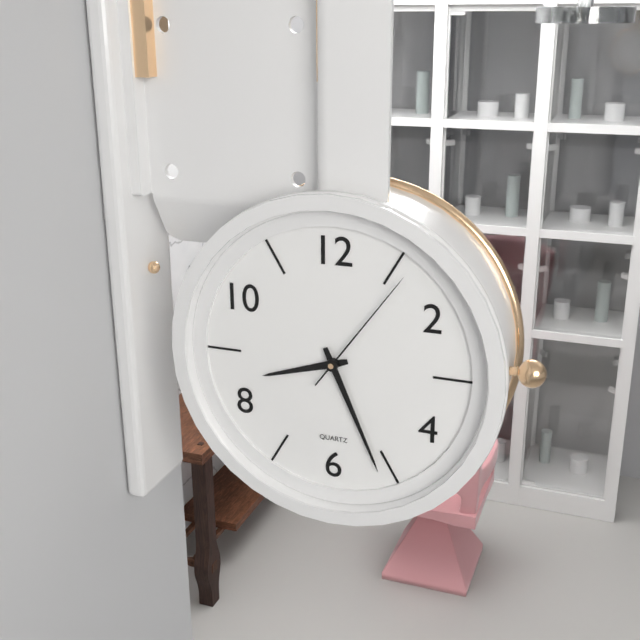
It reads {"hour": 8, "minute": 26, "second": 6}
